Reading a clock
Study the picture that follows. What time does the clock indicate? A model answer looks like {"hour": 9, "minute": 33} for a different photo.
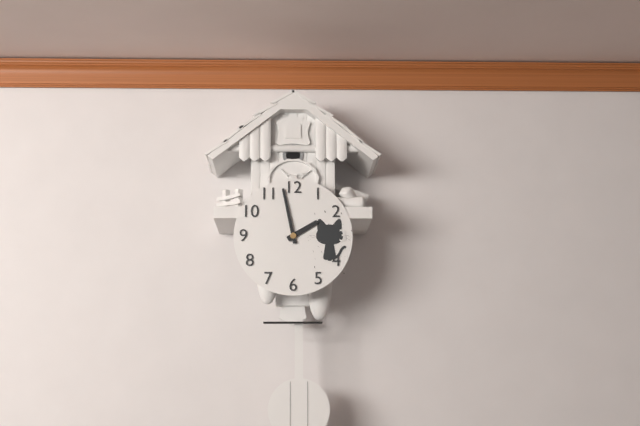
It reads {"hour": 1, "minute": 58}
